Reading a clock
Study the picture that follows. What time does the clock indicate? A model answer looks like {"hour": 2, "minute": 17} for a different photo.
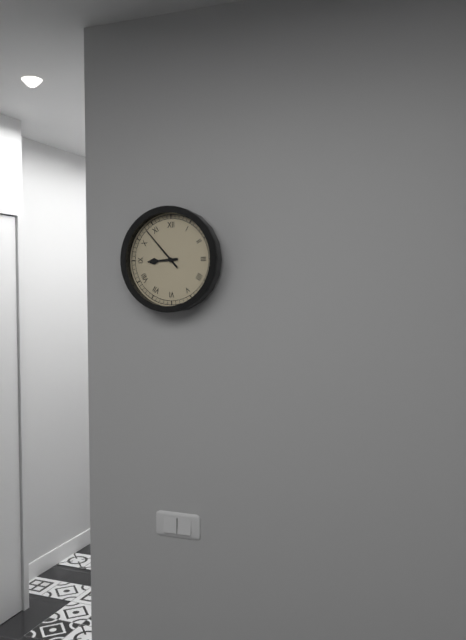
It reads {"hour": 8, "minute": 53}
